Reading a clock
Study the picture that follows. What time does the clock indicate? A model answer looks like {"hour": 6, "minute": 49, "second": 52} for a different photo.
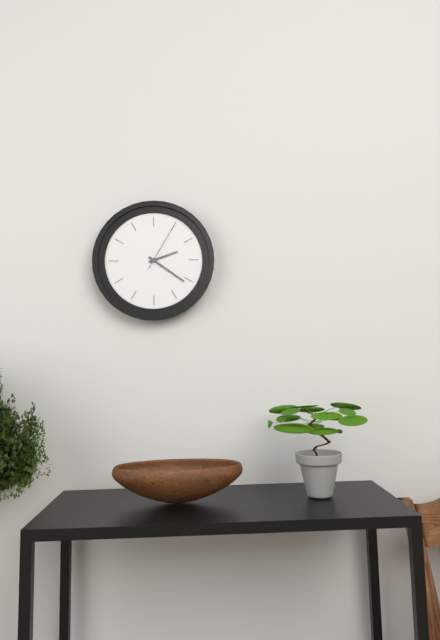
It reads {"hour": 2, "minute": 21, "second": 5}
